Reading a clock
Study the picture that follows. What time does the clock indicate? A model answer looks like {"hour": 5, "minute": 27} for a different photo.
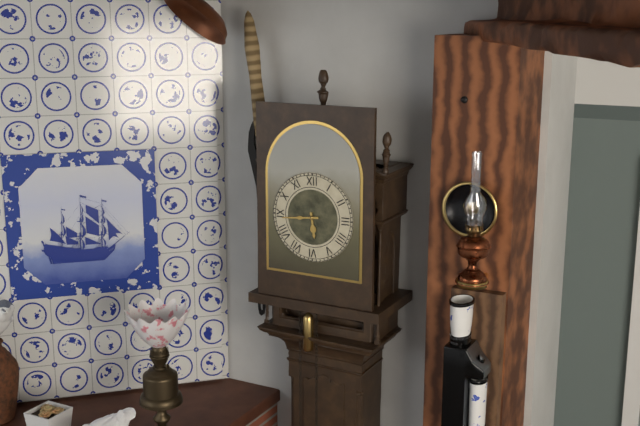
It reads {"hour": 5, "minute": 44}
